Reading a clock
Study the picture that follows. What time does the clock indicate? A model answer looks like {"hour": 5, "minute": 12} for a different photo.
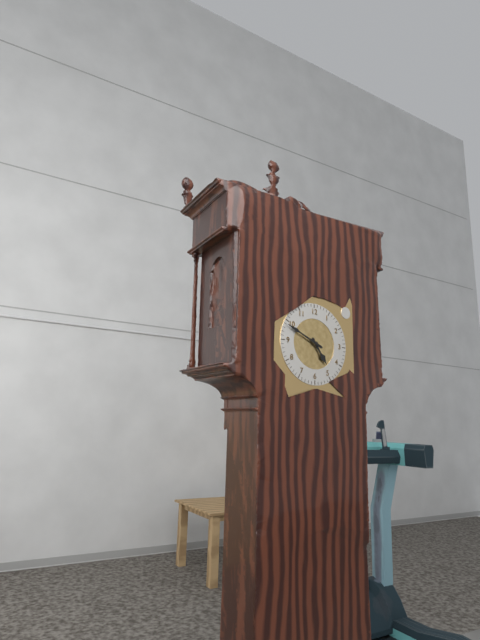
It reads {"hour": 4, "minute": 49}
